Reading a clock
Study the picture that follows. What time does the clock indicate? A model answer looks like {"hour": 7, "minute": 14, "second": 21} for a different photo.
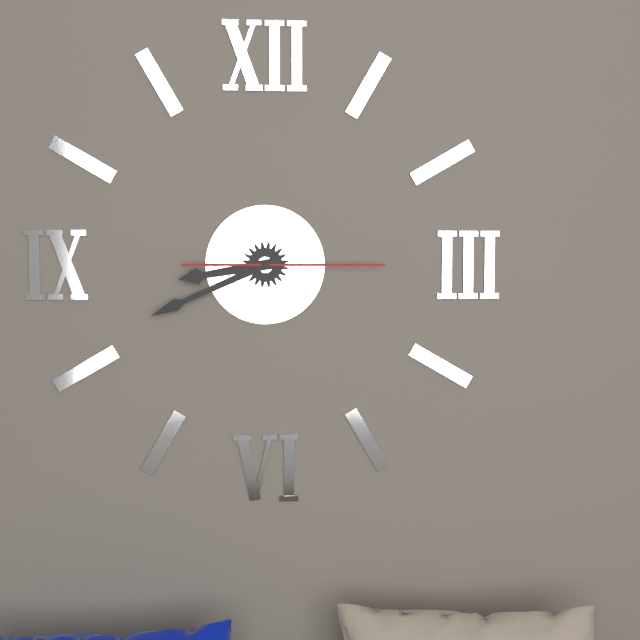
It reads {"hour": 8, "minute": 41, "second": 15}
